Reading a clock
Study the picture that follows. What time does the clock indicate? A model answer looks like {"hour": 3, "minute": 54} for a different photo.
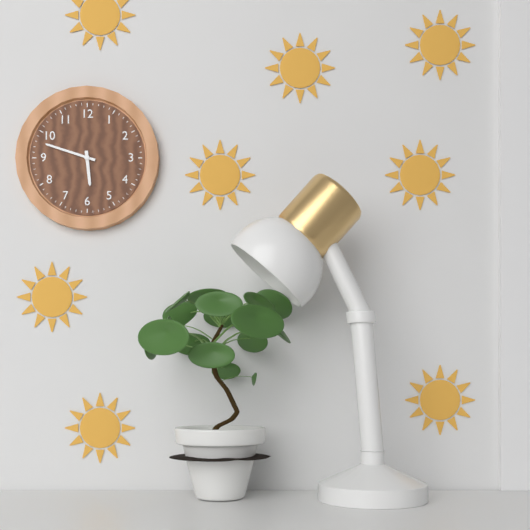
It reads {"hour": 5, "minute": 48}
